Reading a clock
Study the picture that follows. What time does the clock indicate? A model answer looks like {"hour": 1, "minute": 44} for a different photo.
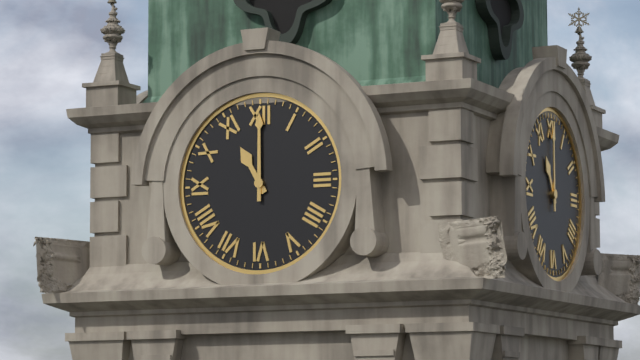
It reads {"hour": 11, "minute": 0}
